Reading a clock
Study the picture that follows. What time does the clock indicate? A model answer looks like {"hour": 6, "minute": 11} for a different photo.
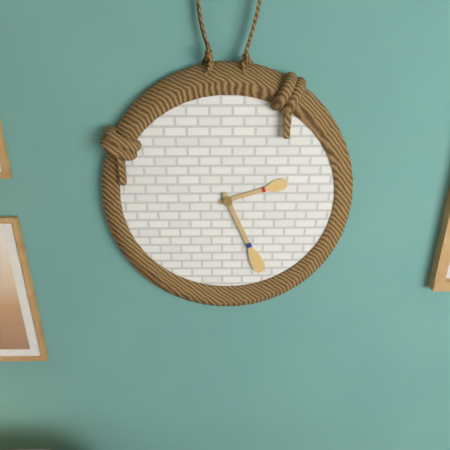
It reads {"hour": 2, "minute": 26}
